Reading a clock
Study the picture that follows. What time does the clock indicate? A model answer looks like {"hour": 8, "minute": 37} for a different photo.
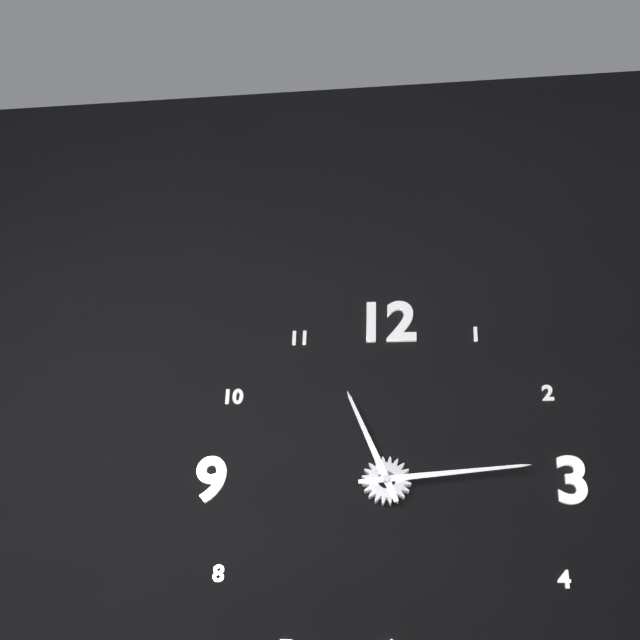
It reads {"hour": 11, "minute": 14}
